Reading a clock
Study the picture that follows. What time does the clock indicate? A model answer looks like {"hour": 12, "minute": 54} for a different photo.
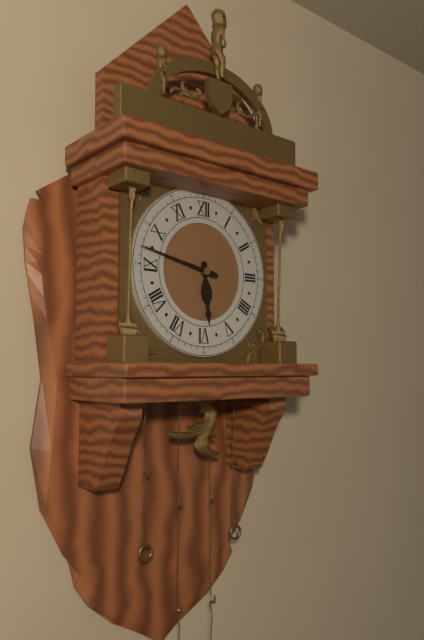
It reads {"hour": 5, "minute": 47}
